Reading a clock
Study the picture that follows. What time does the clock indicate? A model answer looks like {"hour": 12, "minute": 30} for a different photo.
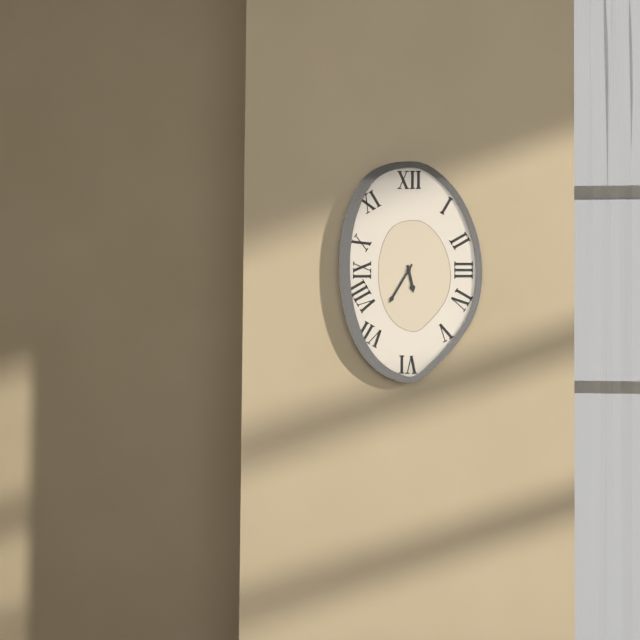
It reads {"hour": 5, "minute": 35}
